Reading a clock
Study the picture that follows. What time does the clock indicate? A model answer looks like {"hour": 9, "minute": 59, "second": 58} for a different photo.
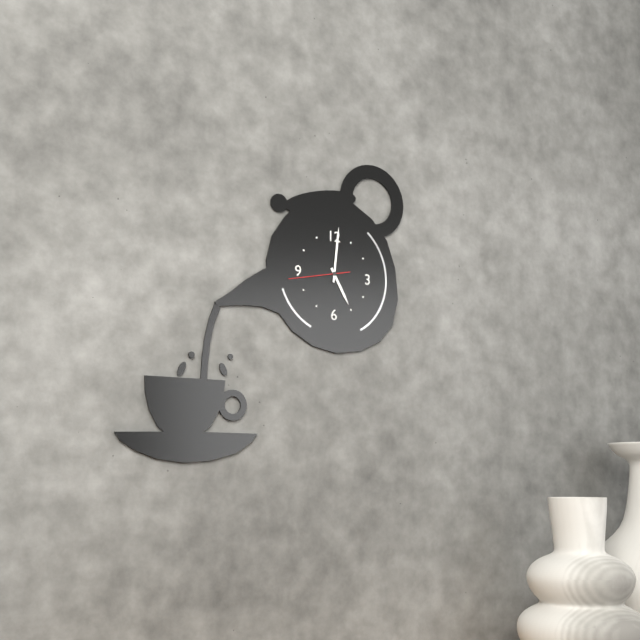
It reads {"hour": 5, "minute": 1, "second": 43}
